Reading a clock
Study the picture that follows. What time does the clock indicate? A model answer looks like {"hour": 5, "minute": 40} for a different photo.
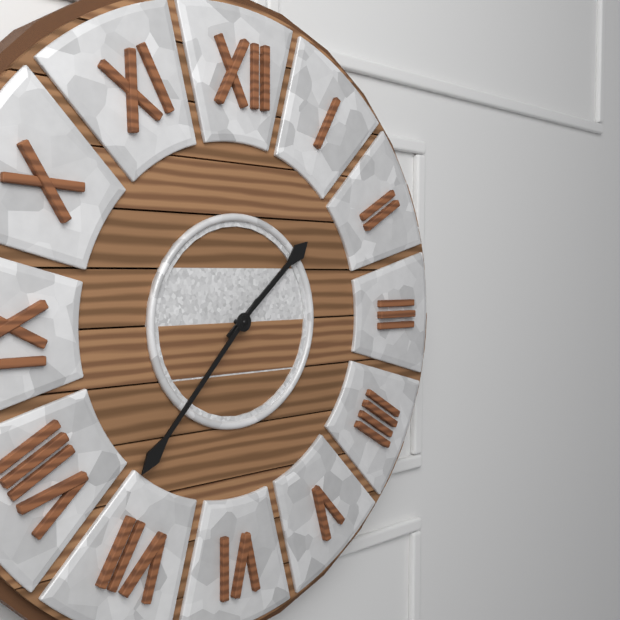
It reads {"hour": 1, "minute": 37}
